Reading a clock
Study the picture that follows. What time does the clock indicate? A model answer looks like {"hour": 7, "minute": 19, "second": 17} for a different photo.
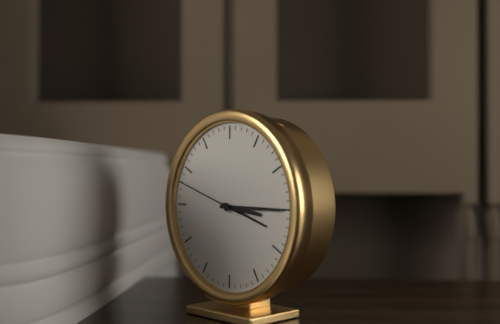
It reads {"hour": 3, "minute": 15, "second": 48}
